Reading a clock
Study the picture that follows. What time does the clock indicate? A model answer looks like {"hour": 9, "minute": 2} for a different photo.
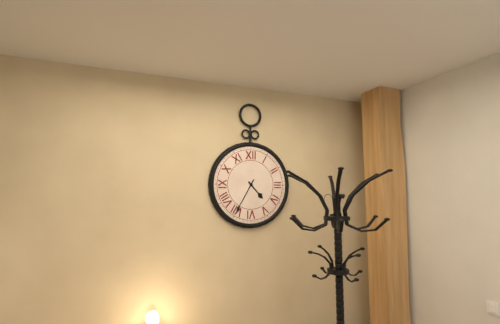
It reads {"hour": 4, "minute": 35}
